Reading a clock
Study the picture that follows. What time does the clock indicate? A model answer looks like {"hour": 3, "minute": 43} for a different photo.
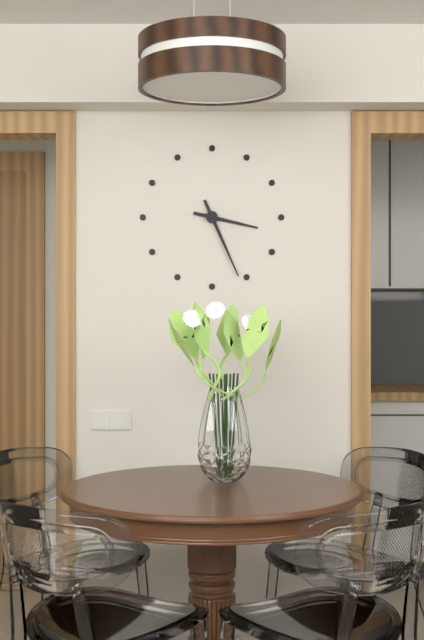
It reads {"hour": 3, "minute": 26}
